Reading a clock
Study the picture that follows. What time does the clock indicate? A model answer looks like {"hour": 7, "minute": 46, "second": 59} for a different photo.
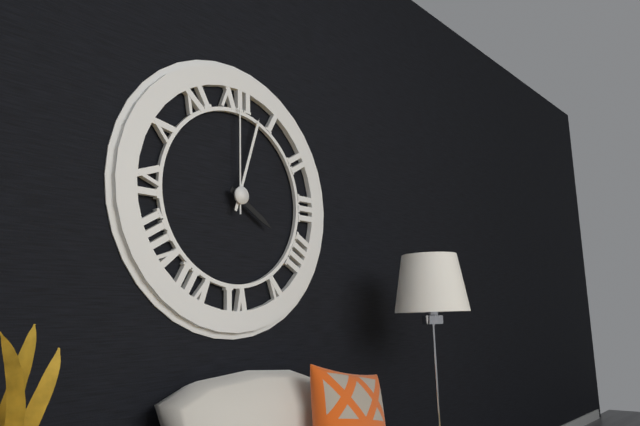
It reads {"hour": 4, "minute": 3, "second": 0}
